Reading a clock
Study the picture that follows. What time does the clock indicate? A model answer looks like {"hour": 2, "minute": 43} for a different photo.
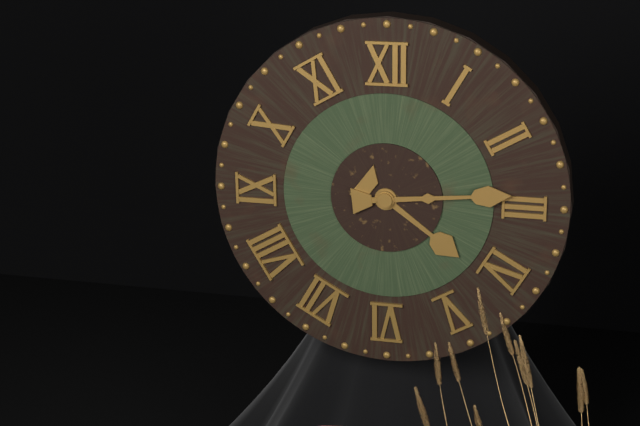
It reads {"hour": 4, "minute": 14}
